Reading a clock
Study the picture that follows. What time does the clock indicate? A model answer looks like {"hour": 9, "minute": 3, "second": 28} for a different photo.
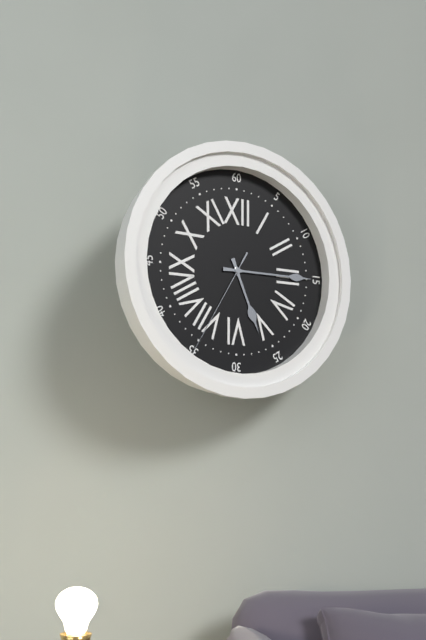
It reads {"hour": 5, "minute": 15, "second": 35}
